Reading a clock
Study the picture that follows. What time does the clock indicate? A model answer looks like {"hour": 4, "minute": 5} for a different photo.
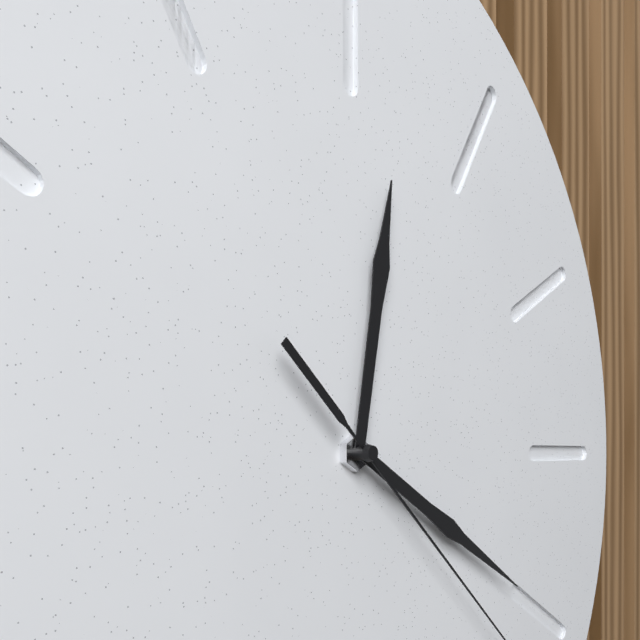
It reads {"hour": 12, "minute": 20}
